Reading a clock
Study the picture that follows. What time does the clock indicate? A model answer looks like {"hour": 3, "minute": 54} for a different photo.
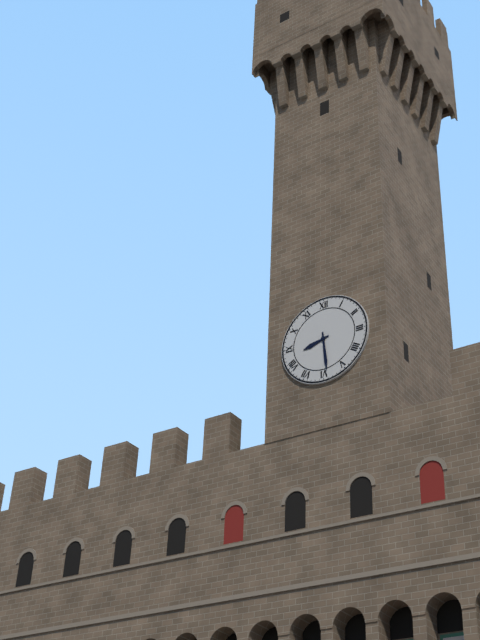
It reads {"hour": 8, "minute": 29}
